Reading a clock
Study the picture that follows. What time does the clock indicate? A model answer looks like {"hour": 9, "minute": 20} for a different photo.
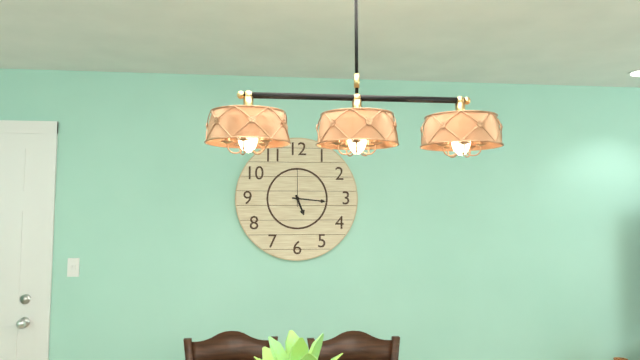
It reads {"hour": 5, "minute": 16}
